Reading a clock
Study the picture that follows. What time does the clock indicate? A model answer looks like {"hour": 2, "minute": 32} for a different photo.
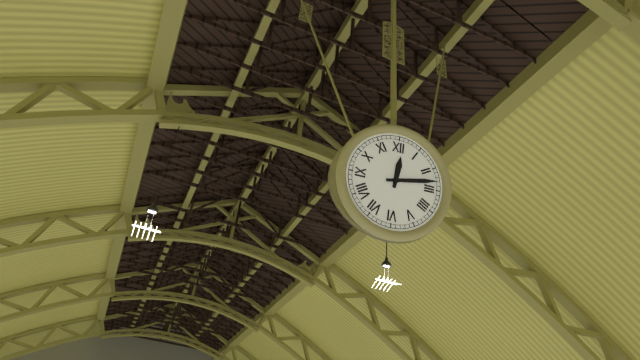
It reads {"hour": 12, "minute": 13}
